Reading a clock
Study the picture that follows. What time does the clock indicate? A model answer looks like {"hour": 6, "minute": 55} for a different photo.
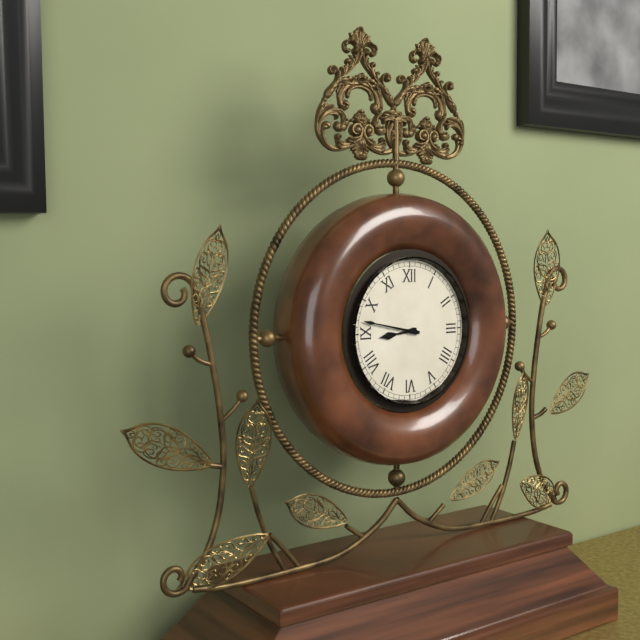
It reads {"hour": 8, "minute": 47}
